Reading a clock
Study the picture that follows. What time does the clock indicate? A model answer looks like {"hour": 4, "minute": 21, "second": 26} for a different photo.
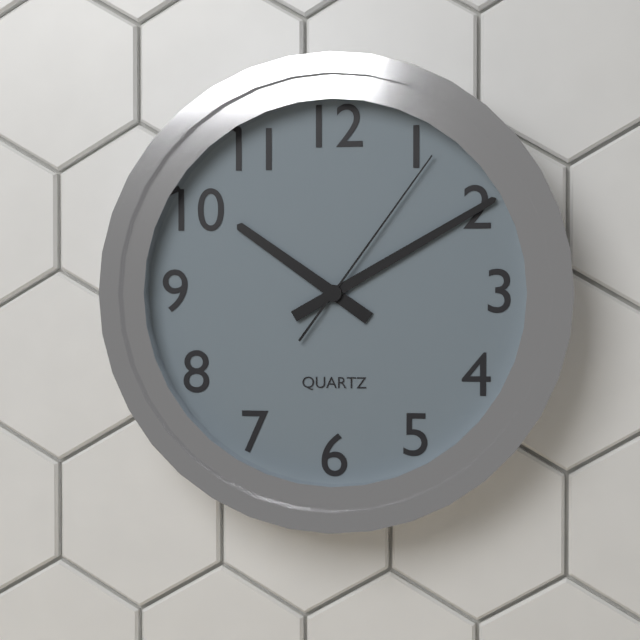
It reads {"hour": 10, "minute": 10, "second": 6}
